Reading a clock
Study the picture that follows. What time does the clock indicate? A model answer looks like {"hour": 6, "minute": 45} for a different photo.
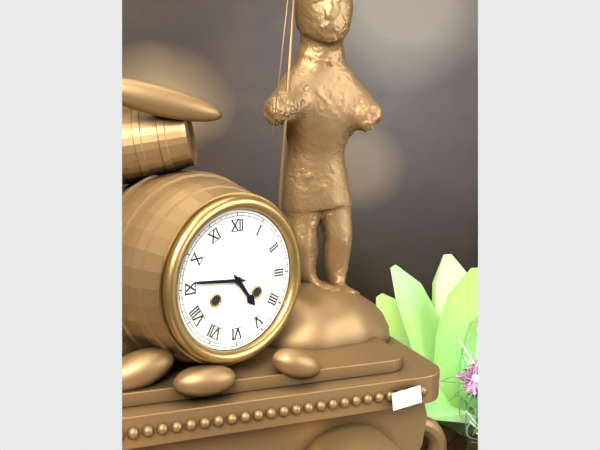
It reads {"hour": 4, "minute": 46}
